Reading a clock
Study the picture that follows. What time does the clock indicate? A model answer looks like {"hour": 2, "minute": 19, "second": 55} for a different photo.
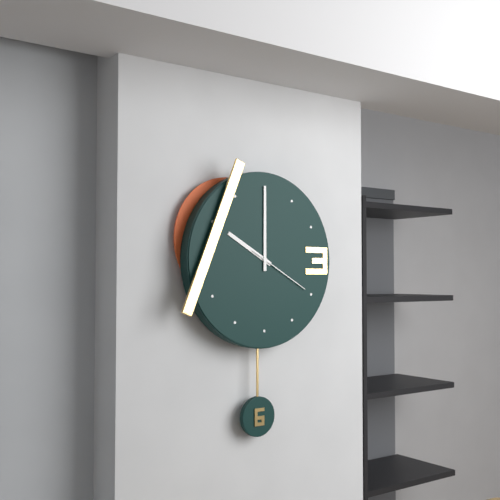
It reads {"hour": 10, "minute": 0, "second": 20}
